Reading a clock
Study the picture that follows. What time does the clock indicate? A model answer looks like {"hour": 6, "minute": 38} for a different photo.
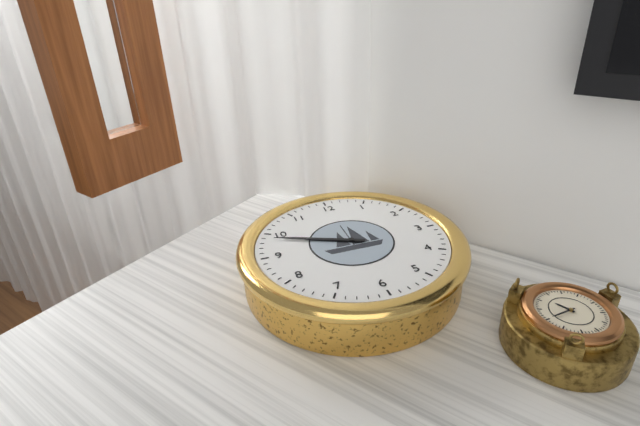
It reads {"hour": 9, "minute": 49}
